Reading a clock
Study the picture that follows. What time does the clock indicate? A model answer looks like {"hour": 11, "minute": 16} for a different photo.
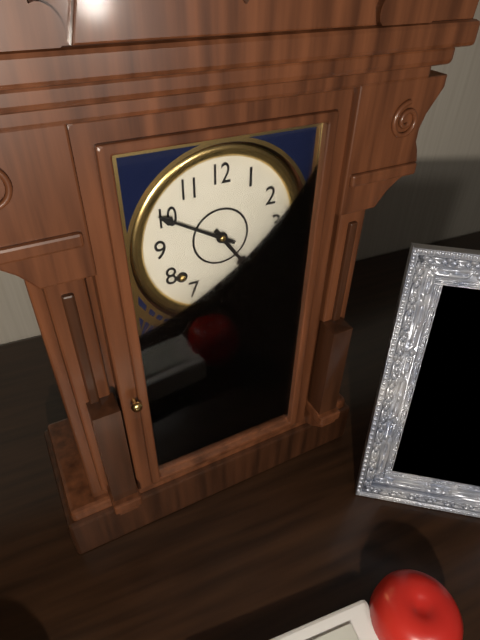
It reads {"hour": 4, "minute": 50}
